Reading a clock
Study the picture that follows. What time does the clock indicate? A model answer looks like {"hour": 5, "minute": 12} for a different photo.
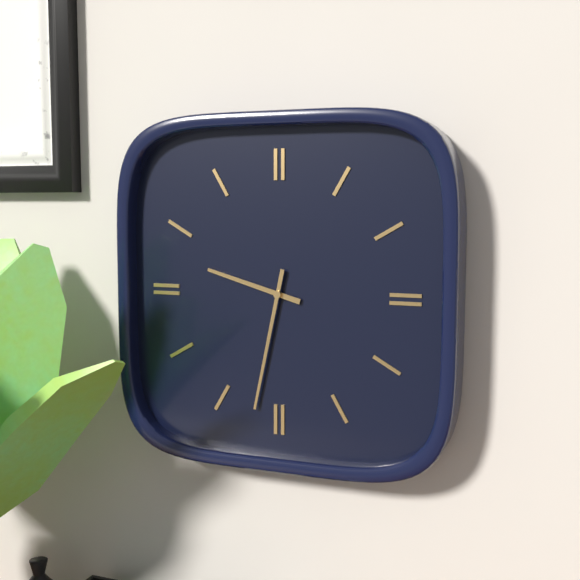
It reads {"hour": 9, "minute": 32}
